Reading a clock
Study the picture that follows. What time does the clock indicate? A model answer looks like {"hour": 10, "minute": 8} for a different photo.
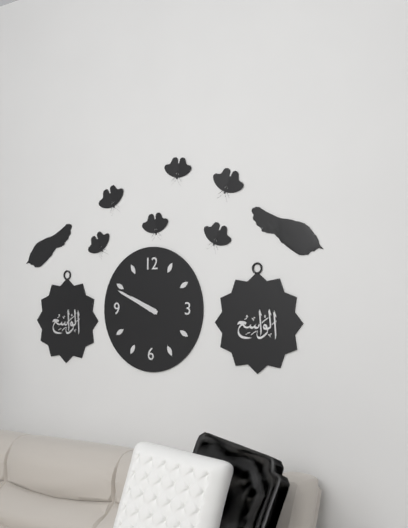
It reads {"hour": 9, "minute": 49}
